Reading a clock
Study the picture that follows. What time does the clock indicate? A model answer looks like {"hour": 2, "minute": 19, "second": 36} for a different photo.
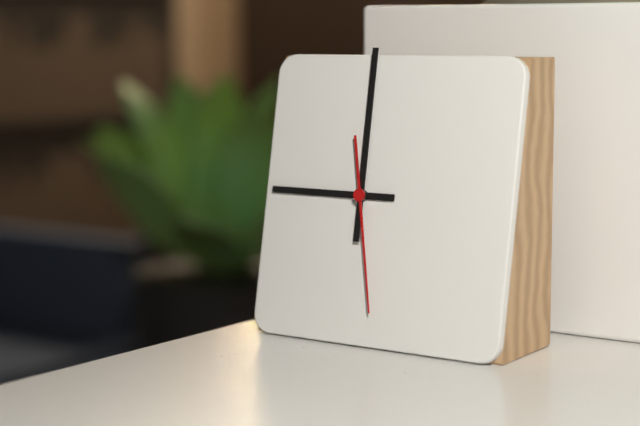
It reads {"hour": 9, "minute": 0, "second": 28}
